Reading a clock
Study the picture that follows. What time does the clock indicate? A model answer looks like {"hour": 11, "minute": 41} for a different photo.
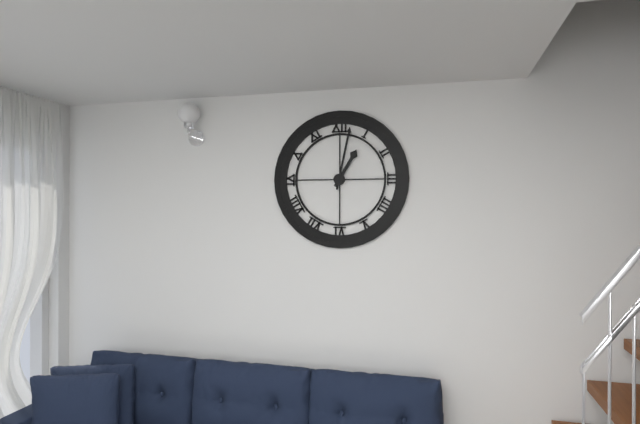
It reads {"hour": 1, "minute": 2}
